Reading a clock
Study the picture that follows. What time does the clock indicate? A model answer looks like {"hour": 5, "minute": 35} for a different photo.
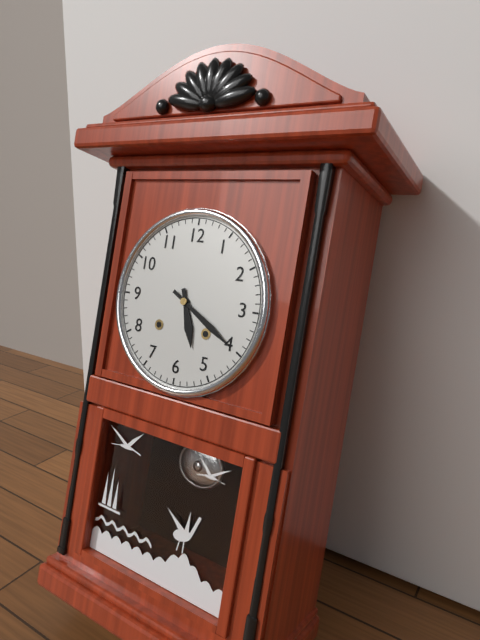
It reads {"hour": 5, "minute": 20}
